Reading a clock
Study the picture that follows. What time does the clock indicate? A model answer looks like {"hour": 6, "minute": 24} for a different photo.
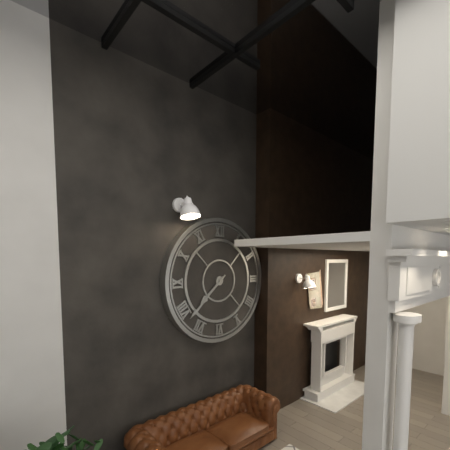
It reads {"hour": 7, "minute": 38}
